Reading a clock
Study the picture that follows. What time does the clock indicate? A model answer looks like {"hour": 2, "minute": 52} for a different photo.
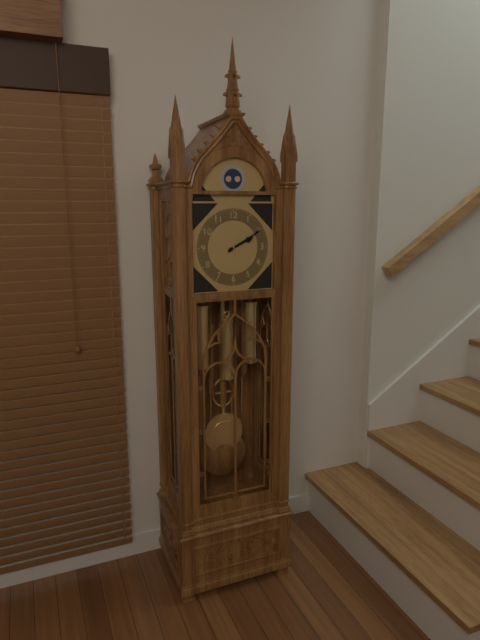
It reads {"hour": 2, "minute": 10}
